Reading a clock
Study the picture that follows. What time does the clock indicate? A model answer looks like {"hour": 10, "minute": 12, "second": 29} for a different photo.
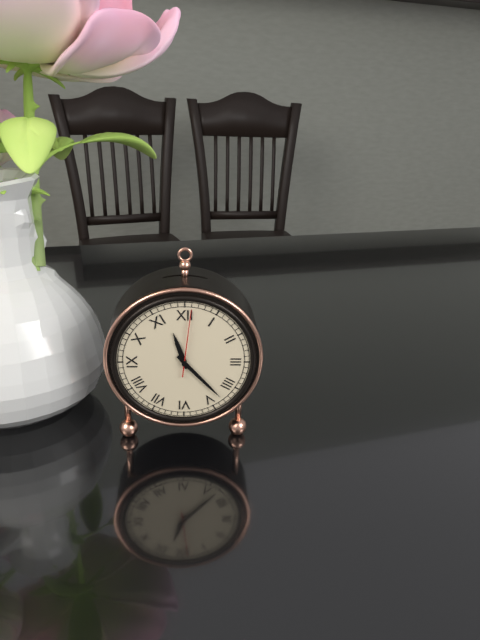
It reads {"hour": 11, "minute": 23, "second": 1}
